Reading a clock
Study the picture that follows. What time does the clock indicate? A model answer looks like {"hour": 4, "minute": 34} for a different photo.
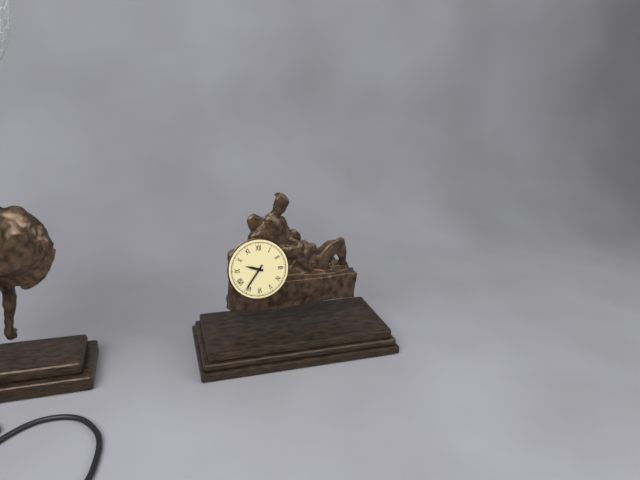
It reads {"hour": 9, "minute": 36}
